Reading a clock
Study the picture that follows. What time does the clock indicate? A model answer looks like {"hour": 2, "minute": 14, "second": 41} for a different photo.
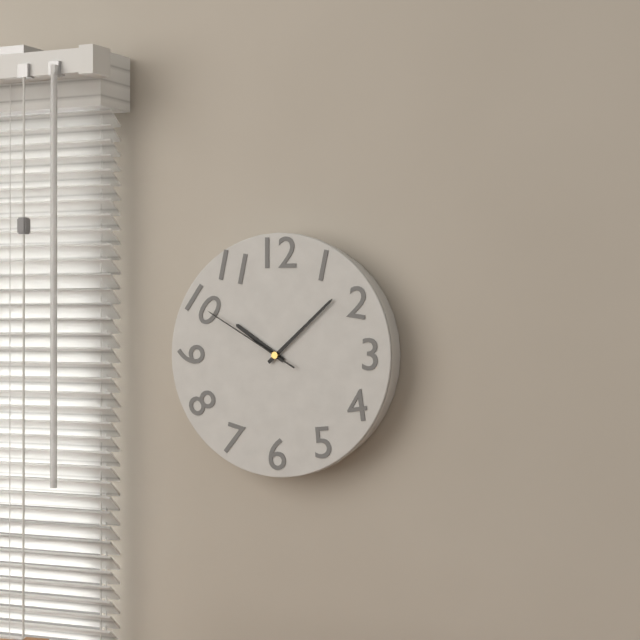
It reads {"hour": 10, "minute": 8, "second": 50}
